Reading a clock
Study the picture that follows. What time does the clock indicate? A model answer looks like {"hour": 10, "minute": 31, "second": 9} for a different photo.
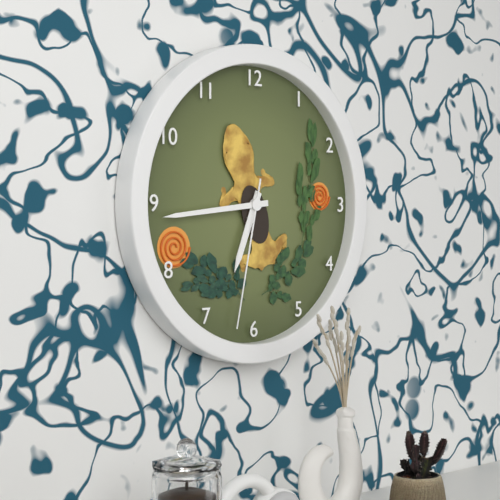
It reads {"hour": 6, "minute": 44, "second": 32}
